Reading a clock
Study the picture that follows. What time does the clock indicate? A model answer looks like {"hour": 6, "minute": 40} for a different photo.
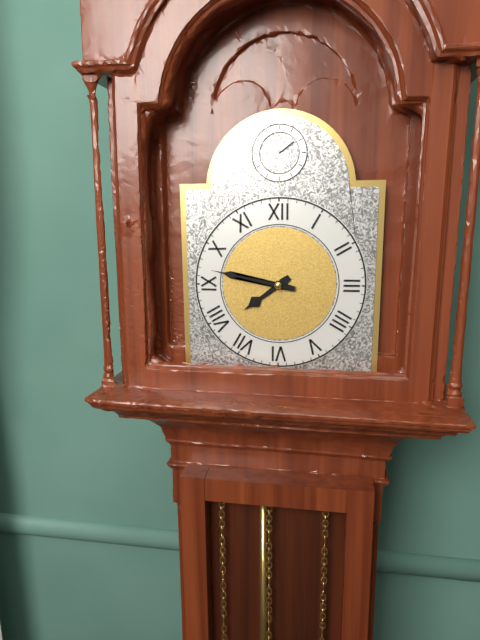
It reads {"hour": 7, "minute": 47}
